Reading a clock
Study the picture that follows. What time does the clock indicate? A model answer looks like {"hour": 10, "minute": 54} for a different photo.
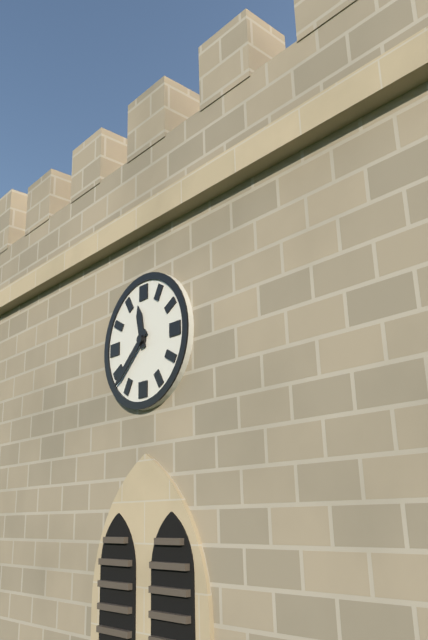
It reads {"hour": 11, "minute": 38}
